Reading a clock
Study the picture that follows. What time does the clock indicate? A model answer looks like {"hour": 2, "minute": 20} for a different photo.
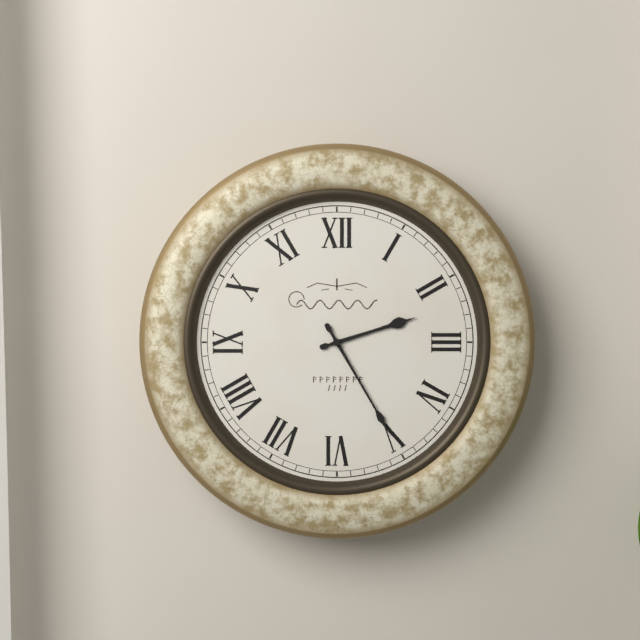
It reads {"hour": 2, "minute": 25}
